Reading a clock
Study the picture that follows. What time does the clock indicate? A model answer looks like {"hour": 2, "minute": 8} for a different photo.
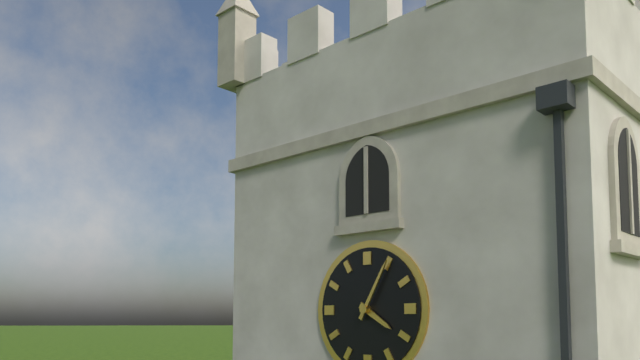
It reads {"hour": 4, "minute": 5}
